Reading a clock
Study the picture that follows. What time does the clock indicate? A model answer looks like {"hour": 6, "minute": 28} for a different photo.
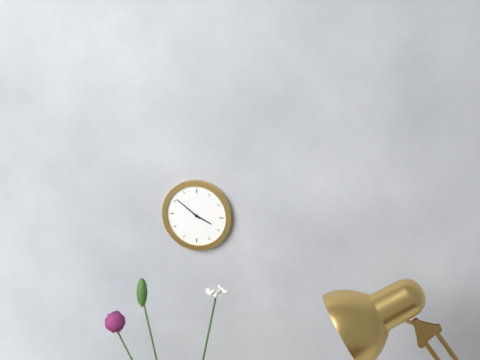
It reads {"hour": 3, "minute": 51}
